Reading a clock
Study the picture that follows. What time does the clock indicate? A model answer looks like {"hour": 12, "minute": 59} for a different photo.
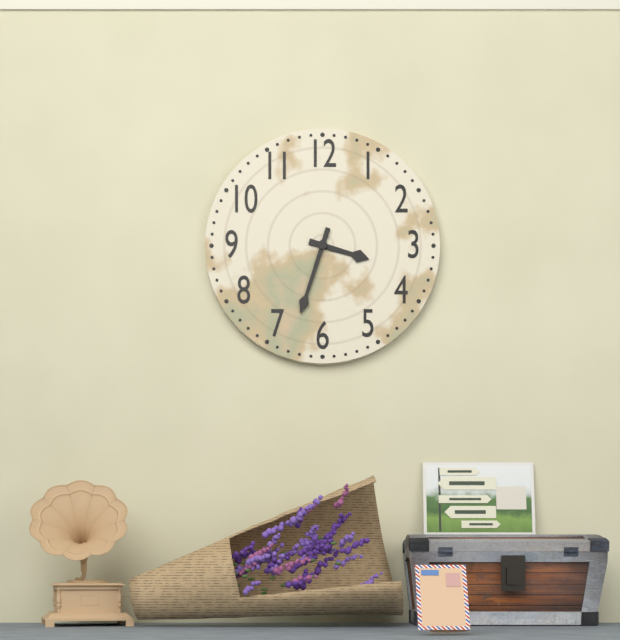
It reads {"hour": 3, "minute": 33}
